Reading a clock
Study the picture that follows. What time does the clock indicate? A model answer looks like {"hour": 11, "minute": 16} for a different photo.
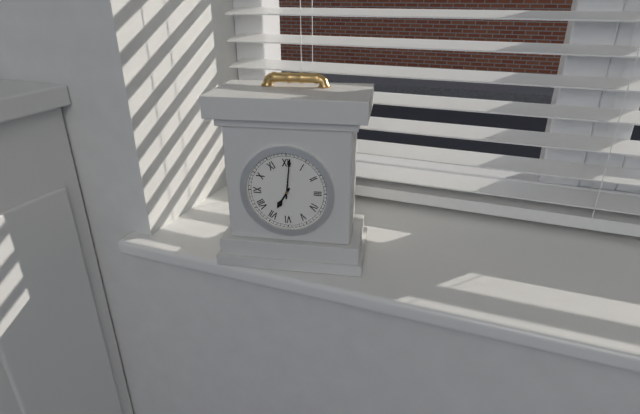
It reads {"hour": 7, "minute": 1}
